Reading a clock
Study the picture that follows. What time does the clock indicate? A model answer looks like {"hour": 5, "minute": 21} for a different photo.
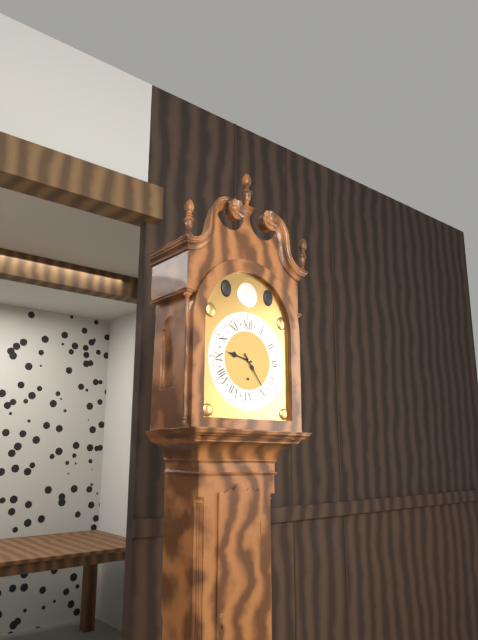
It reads {"hour": 9, "minute": 24}
